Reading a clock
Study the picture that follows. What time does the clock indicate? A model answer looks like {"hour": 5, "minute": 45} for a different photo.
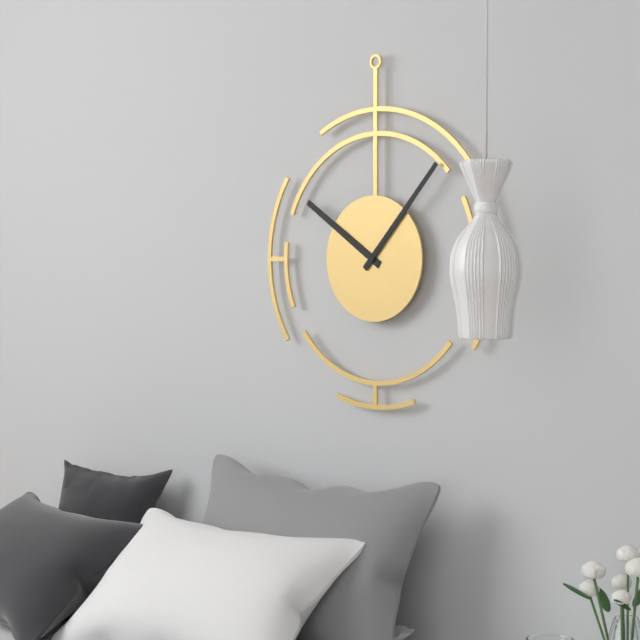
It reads {"hour": 10, "minute": 7}
